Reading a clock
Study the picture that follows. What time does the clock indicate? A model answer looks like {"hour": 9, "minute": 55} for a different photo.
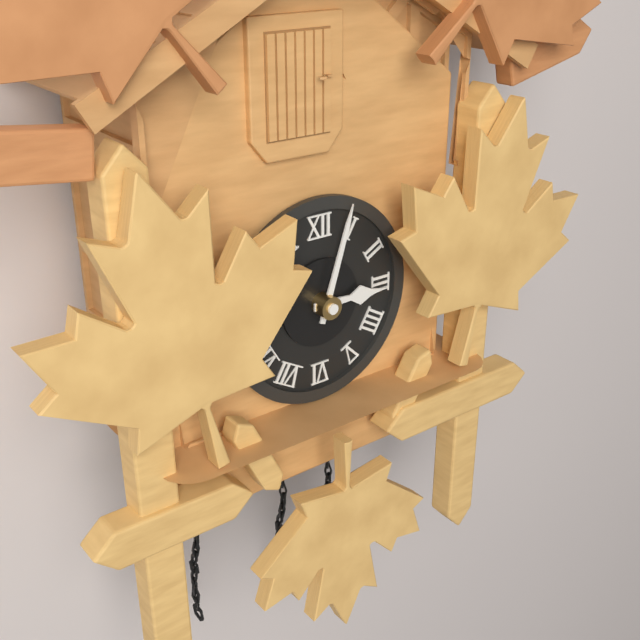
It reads {"hour": 3, "minute": 3}
